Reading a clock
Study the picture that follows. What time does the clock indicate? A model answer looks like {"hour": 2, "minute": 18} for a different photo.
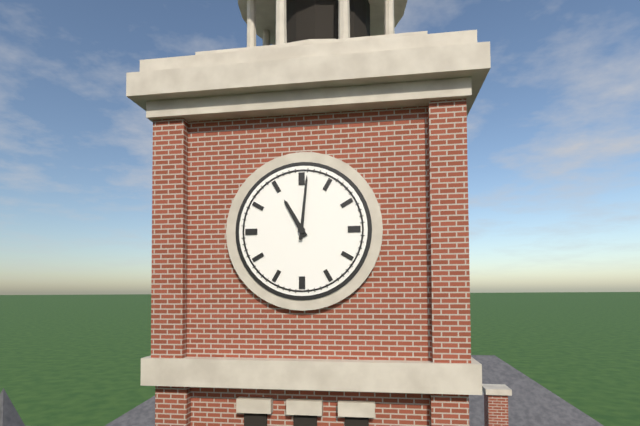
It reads {"hour": 11, "minute": 1}
